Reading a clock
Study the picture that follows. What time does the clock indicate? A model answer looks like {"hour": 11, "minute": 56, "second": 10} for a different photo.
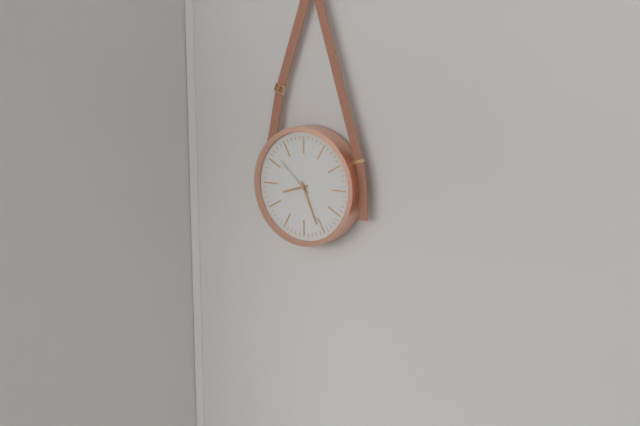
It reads {"hour": 8, "minute": 26, "second": 52}
